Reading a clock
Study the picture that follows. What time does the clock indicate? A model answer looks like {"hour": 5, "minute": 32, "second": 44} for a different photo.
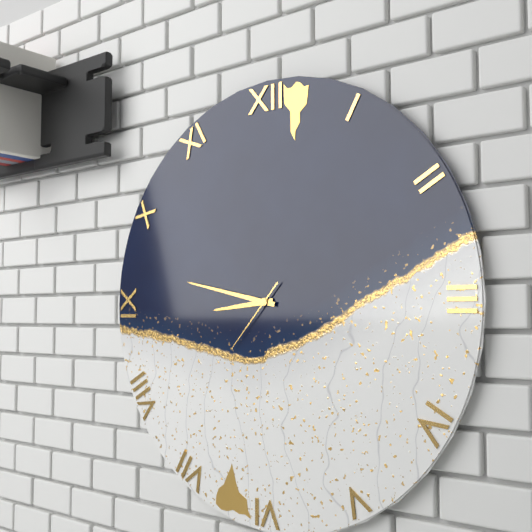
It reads {"hour": 8, "minute": 47, "second": 37}
